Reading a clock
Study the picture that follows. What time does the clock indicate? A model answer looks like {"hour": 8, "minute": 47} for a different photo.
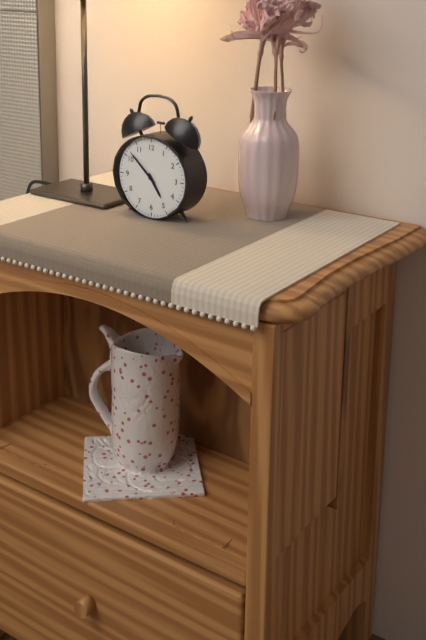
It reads {"hour": 4, "minute": 52}
